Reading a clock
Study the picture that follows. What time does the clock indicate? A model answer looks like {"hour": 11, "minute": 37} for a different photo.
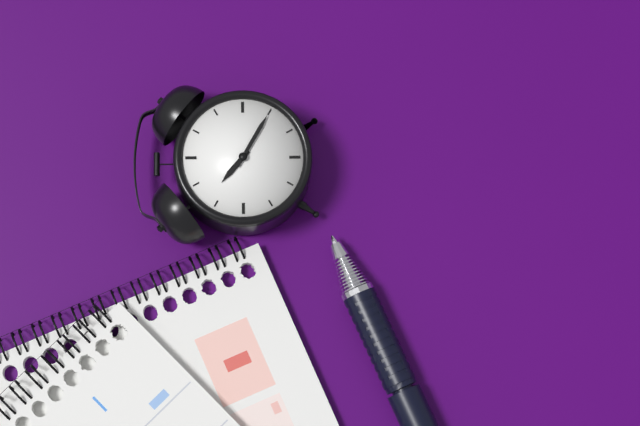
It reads {"hour": 10, "minute": 20}
